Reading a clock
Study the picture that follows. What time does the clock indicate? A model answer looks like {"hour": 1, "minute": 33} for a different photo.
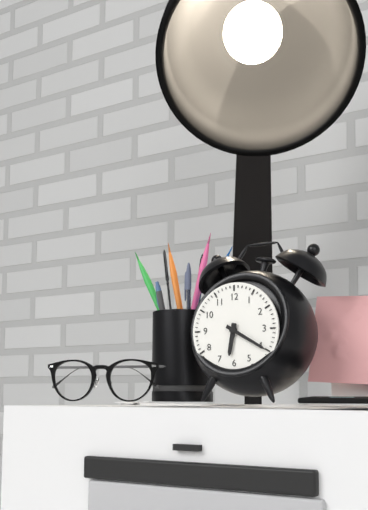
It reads {"hour": 6, "minute": 20}
